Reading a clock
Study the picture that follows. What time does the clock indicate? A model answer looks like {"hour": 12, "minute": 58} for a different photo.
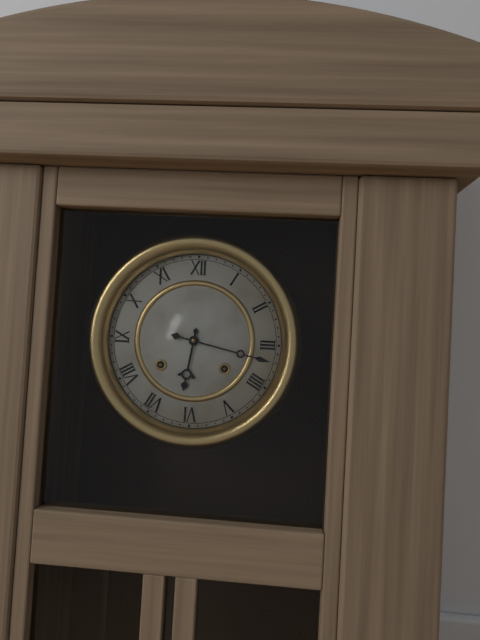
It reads {"hour": 6, "minute": 17}
